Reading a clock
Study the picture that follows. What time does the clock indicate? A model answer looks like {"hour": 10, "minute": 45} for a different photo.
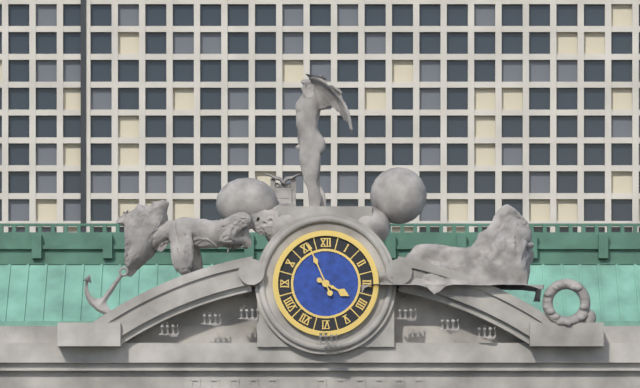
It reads {"hour": 3, "minute": 56}
